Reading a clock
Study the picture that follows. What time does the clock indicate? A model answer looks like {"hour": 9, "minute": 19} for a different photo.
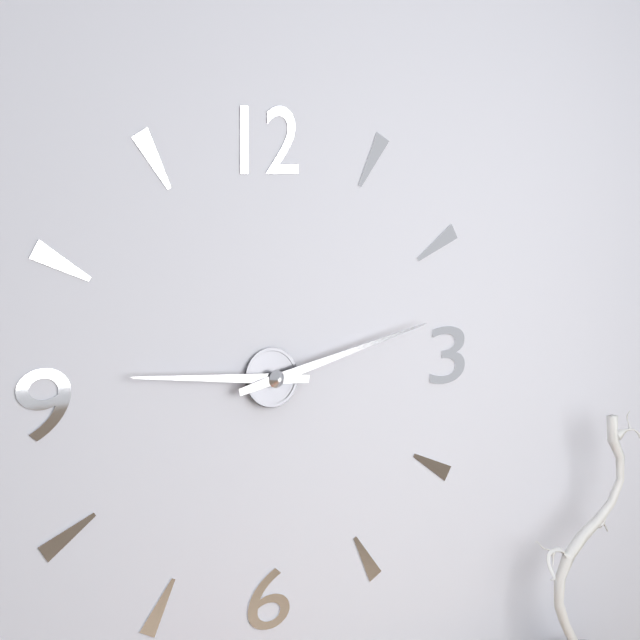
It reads {"hour": 9, "minute": 13}
